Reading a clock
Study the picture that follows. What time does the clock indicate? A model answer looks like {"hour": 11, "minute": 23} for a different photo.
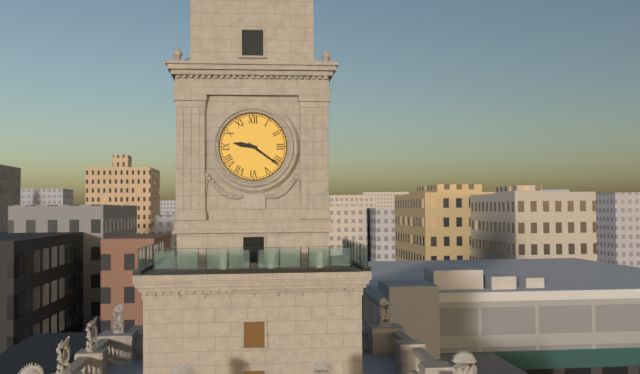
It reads {"hour": 9, "minute": 21}
